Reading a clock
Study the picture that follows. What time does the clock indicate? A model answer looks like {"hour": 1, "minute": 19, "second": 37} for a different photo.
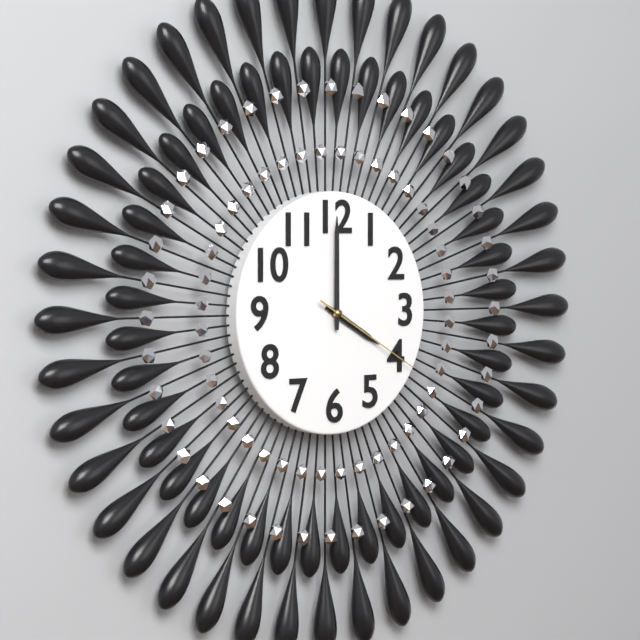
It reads {"hour": 4, "minute": 0, "second": 20}
